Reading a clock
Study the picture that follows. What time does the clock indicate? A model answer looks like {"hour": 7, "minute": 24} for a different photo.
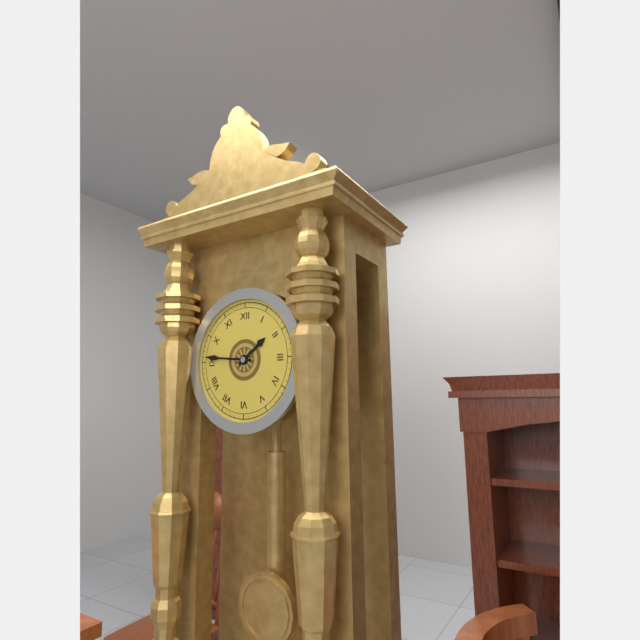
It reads {"hour": 1, "minute": 46}
